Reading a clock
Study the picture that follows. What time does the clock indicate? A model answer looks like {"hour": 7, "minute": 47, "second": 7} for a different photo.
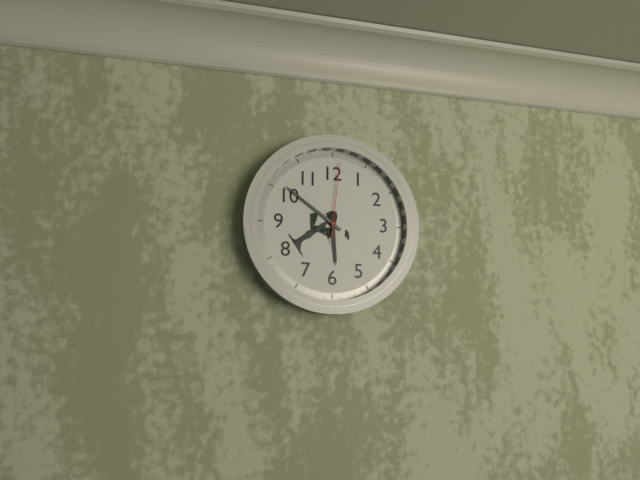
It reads {"hour": 5, "minute": 51, "second": 1}
